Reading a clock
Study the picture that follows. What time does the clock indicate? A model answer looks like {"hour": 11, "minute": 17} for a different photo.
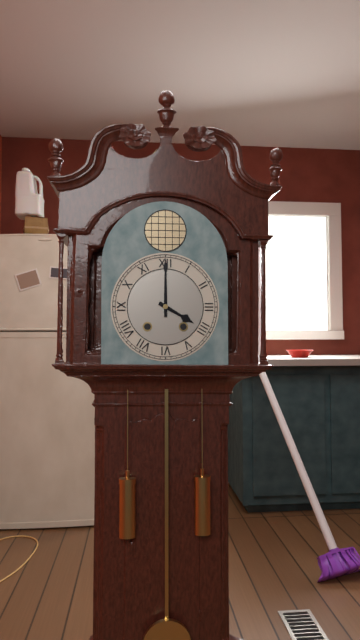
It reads {"hour": 4, "minute": 0}
